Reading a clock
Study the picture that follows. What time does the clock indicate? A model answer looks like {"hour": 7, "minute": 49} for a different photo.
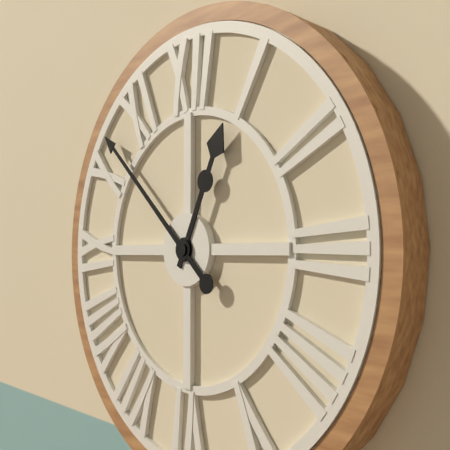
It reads {"hour": 12, "minute": 52}
